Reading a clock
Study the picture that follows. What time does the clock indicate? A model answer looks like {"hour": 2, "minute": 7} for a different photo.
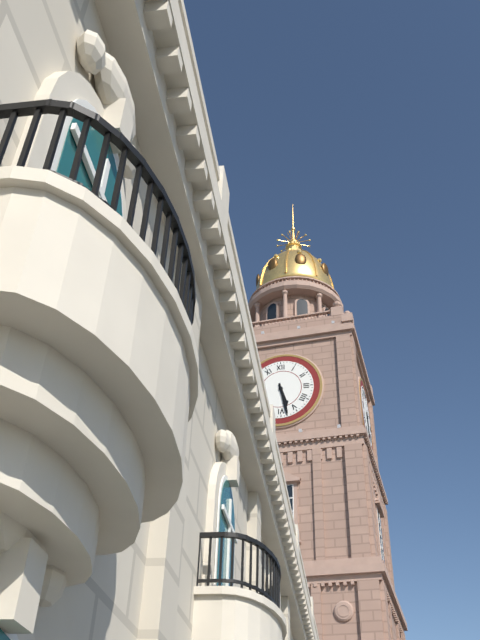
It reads {"hour": 5, "minute": 28}
